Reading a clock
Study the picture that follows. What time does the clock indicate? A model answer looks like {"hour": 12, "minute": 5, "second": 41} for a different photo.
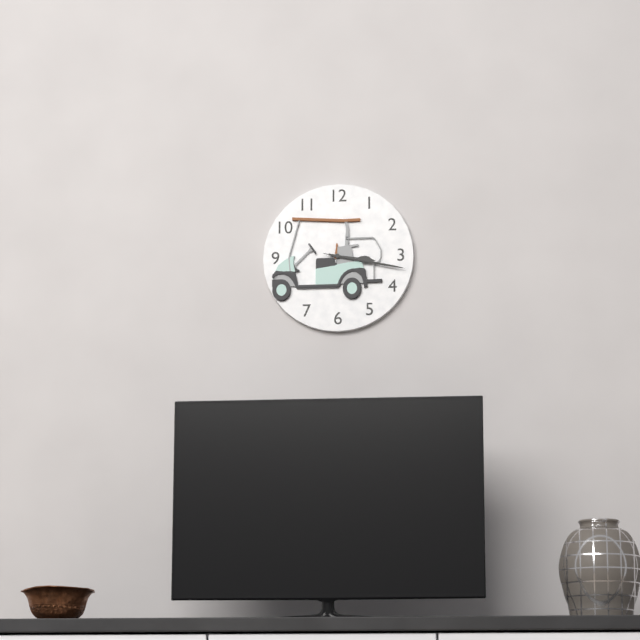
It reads {"hour": 3, "minute": 17, "second": 17}
